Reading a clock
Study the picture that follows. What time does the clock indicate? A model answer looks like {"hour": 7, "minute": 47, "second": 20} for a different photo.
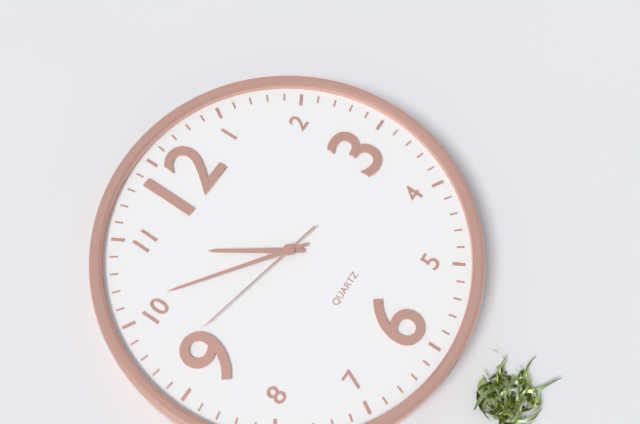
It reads {"hour": 10, "minute": 51, "second": 47}
